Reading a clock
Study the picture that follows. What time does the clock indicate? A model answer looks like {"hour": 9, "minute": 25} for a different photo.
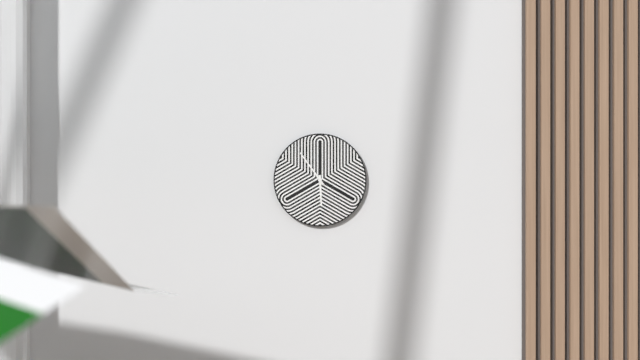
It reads {"hour": 5, "minute": 54}
